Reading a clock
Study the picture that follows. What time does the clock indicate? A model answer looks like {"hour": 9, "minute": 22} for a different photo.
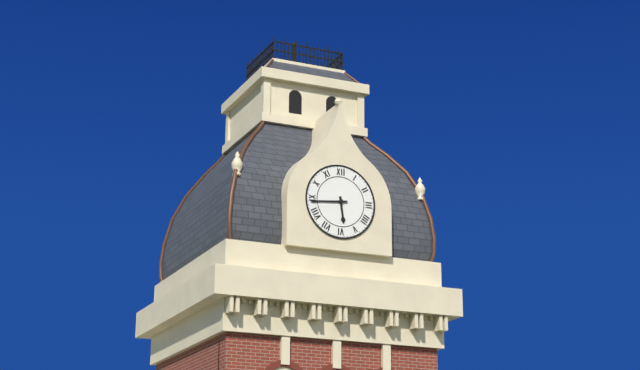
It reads {"hour": 5, "minute": 44}
